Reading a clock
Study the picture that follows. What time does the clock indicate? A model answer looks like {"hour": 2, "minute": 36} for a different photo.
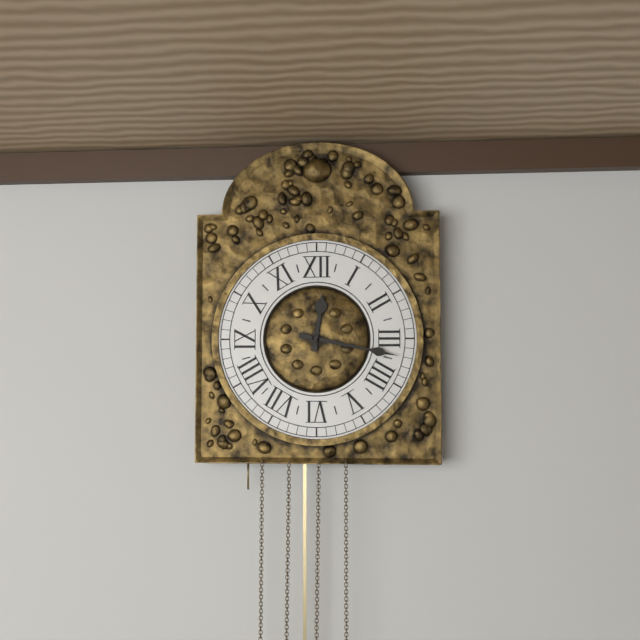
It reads {"hour": 12, "minute": 17}
